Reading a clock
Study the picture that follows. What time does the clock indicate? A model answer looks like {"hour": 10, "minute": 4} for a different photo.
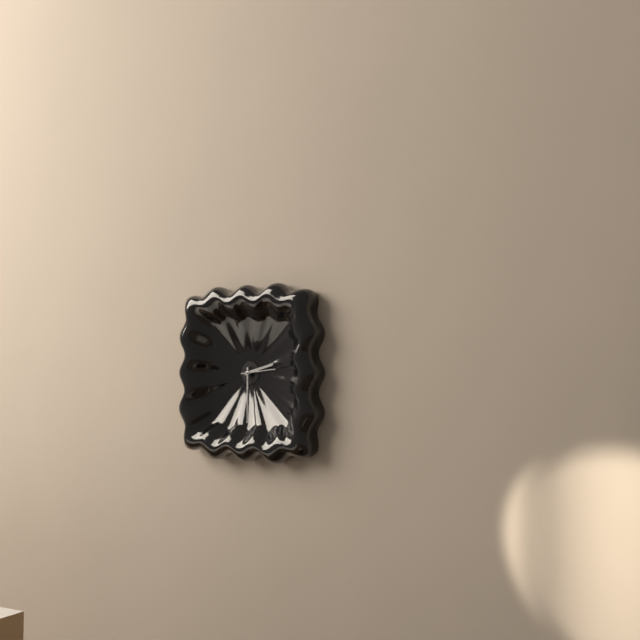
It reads {"hour": 2, "minute": 30}
